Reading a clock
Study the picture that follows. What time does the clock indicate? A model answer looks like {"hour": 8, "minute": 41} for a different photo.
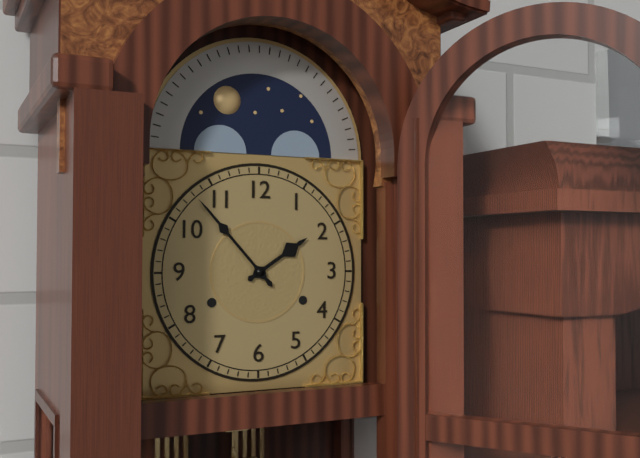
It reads {"hour": 1, "minute": 53}
